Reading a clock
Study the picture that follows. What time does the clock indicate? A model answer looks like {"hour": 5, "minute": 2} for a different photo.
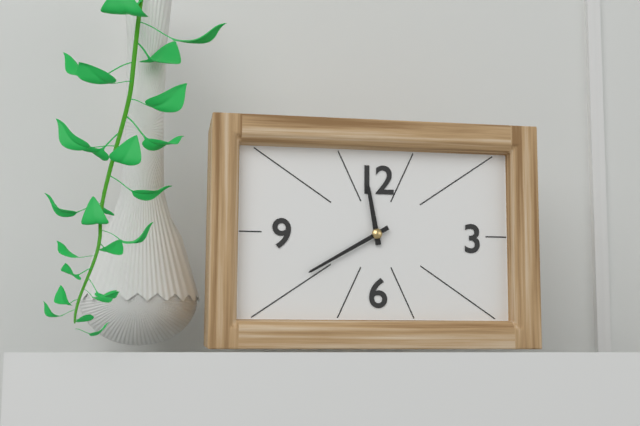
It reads {"hour": 11, "minute": 40}
